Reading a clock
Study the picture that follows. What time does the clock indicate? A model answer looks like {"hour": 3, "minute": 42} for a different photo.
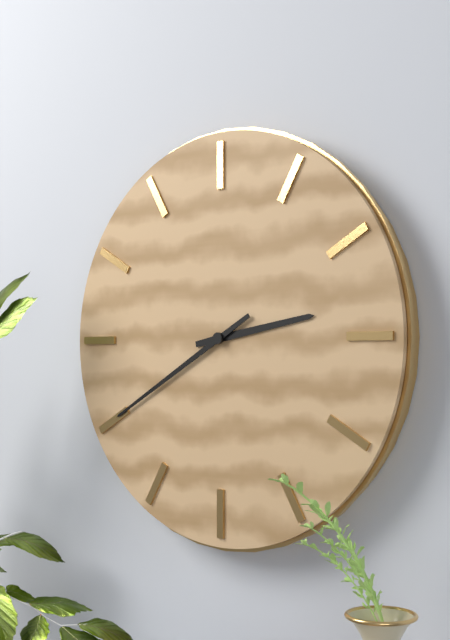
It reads {"hour": 2, "minute": 40}
